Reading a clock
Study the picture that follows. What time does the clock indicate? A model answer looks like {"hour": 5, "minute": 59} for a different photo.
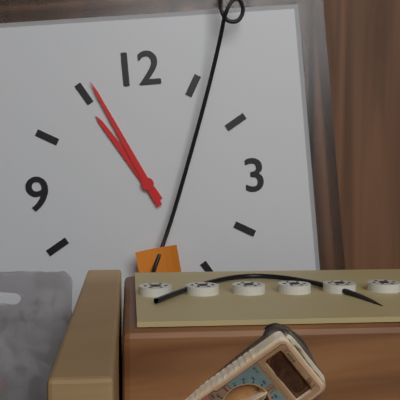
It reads {"hour": 10, "minute": 56}
